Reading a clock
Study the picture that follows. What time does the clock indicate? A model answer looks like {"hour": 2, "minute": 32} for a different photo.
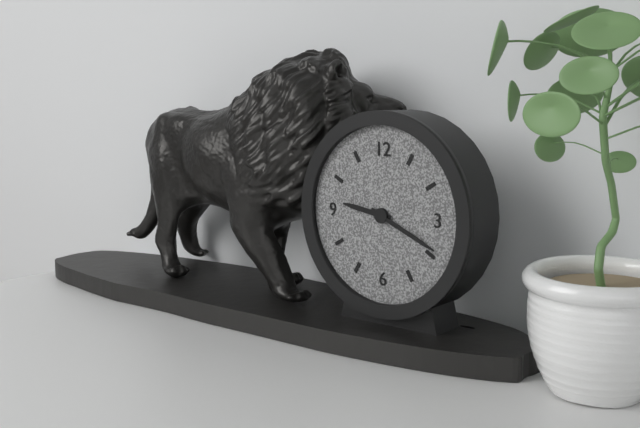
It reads {"hour": 9, "minute": 19}
